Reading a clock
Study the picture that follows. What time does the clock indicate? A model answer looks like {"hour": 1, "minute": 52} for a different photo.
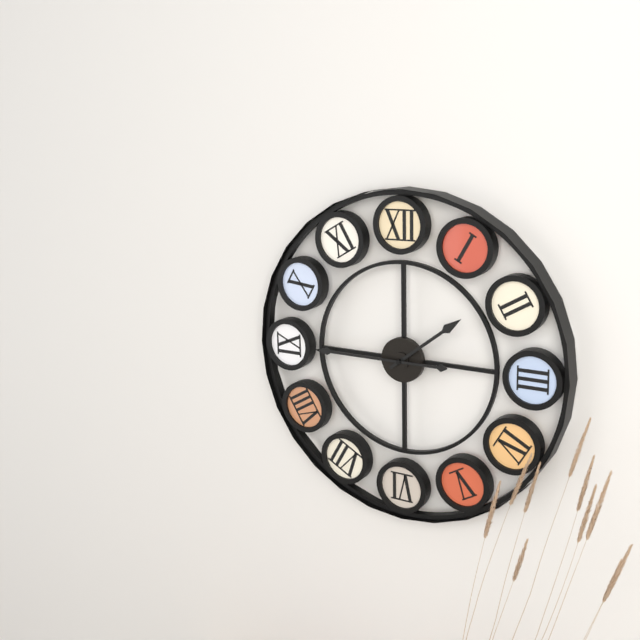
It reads {"hour": 1, "minute": 45}
